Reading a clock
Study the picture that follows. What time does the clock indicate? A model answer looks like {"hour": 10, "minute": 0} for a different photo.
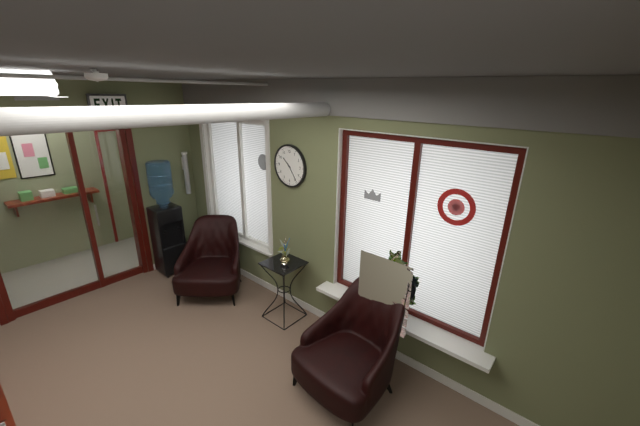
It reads {"hour": 10, "minute": 24}
